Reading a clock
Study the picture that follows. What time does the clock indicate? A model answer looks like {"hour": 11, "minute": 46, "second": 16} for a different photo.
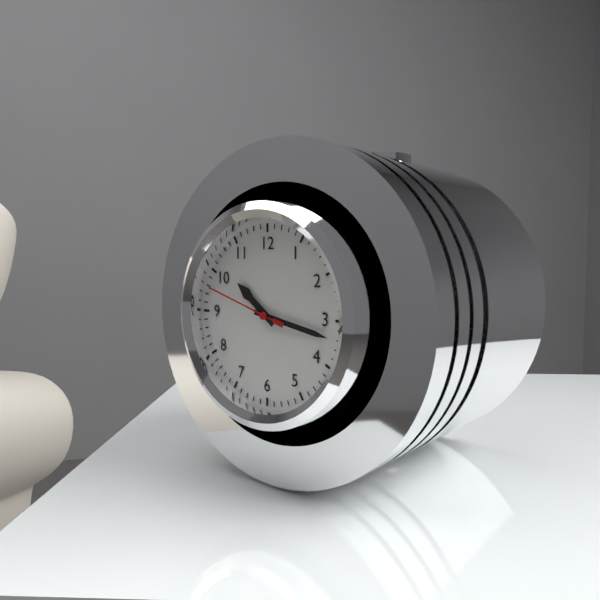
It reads {"hour": 10, "minute": 17, "second": 48}
